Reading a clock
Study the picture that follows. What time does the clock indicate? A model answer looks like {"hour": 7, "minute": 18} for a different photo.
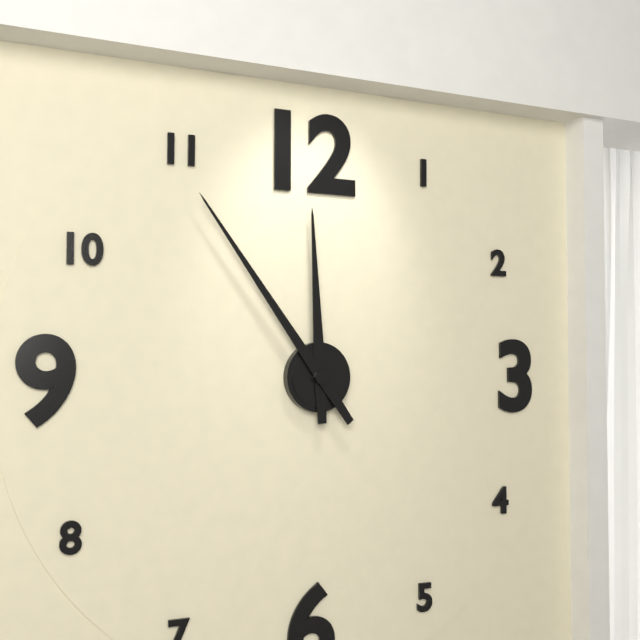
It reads {"hour": 11, "minute": 54}
